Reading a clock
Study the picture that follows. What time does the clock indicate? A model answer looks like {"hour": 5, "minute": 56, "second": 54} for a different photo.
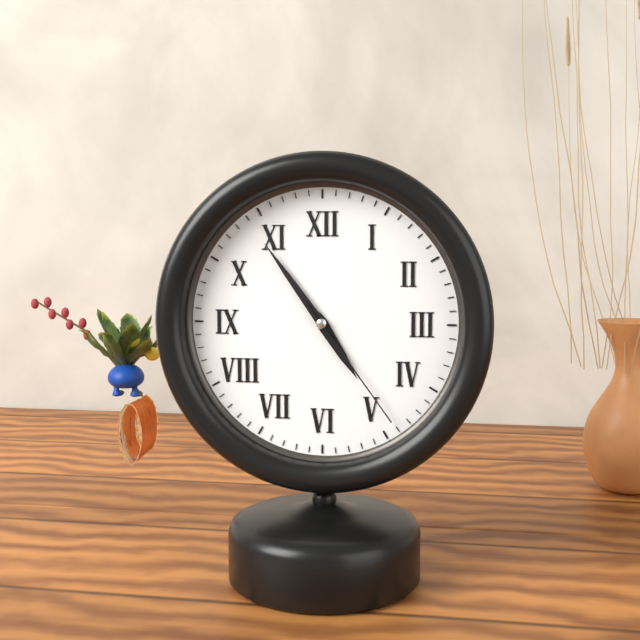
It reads {"hour": 4, "minute": 54, "second": 24}
